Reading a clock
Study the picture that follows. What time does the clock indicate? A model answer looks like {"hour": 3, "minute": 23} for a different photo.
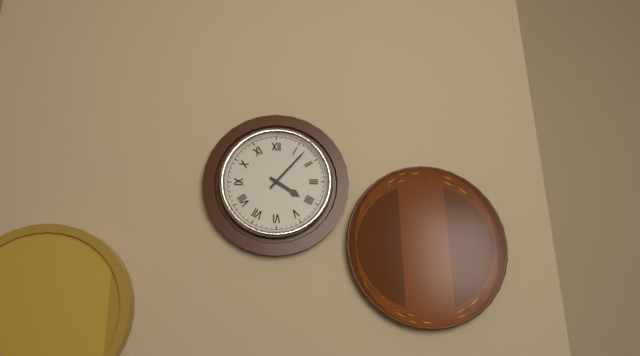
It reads {"hour": 4, "minute": 7}
